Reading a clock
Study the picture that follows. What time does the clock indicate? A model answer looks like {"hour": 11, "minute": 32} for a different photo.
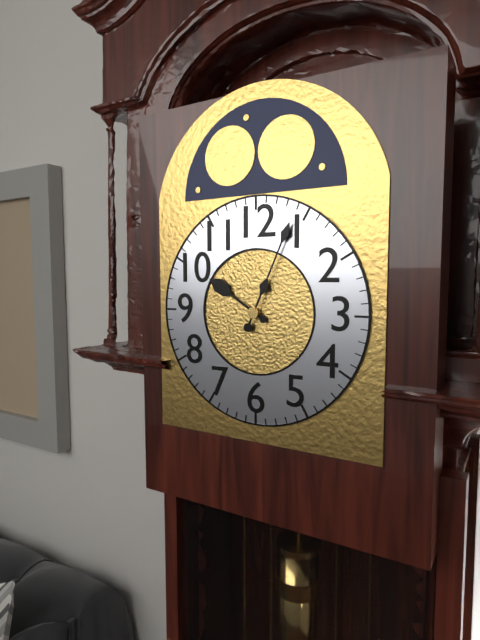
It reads {"hour": 10, "minute": 4}
